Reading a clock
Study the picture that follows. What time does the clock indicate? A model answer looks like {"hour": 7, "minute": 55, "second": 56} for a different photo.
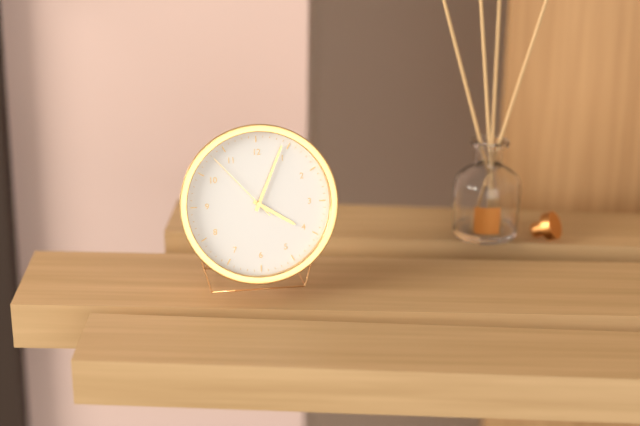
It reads {"hour": 4, "minute": 4, "second": 53}
